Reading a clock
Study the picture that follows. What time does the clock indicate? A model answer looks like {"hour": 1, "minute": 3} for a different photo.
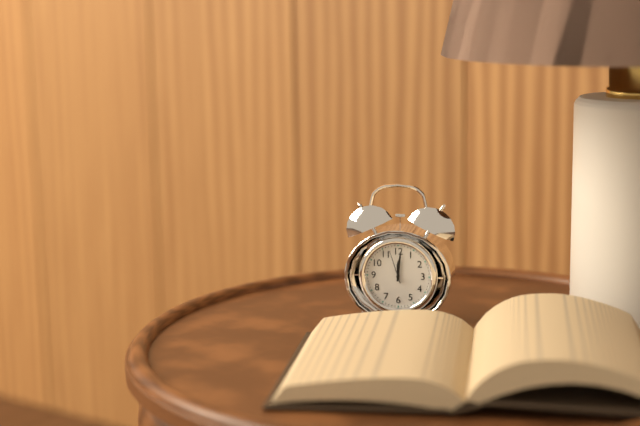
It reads {"hour": 12, "minute": 1}
